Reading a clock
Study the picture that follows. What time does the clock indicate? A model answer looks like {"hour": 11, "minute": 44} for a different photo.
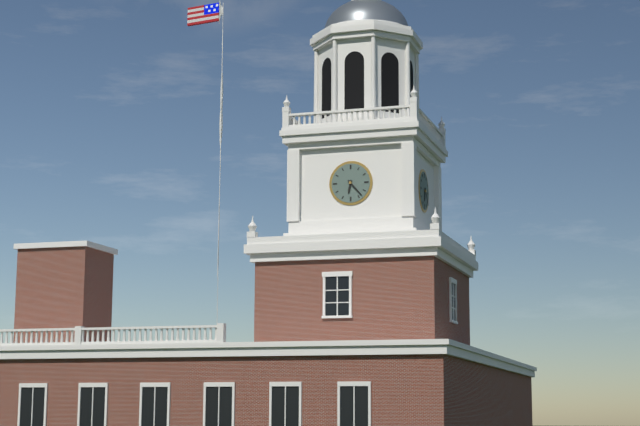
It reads {"hour": 6, "minute": 23}
